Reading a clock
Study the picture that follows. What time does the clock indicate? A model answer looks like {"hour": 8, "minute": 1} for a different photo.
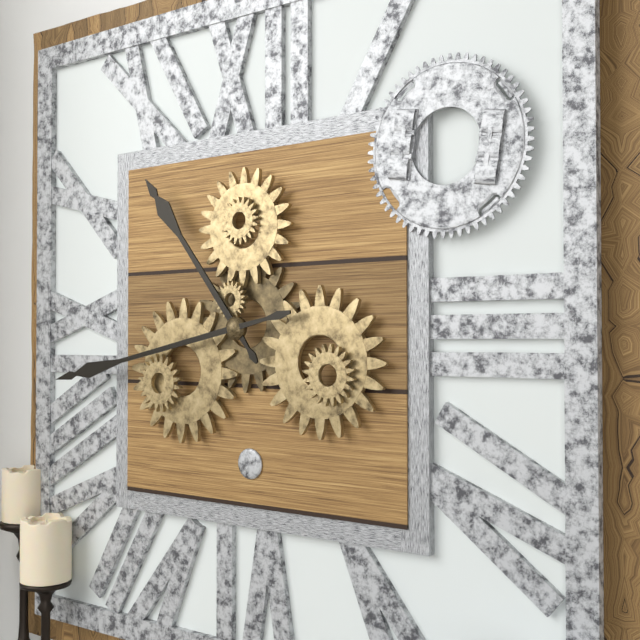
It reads {"hour": 10, "minute": 43}
